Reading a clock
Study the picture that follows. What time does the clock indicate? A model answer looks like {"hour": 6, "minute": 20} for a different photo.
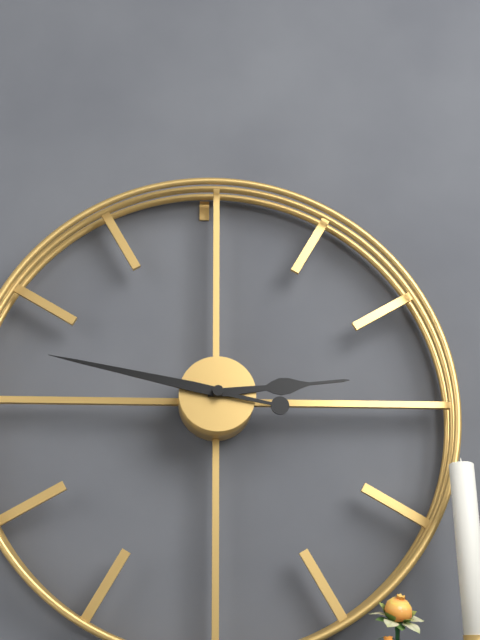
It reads {"hour": 2, "minute": 47}
